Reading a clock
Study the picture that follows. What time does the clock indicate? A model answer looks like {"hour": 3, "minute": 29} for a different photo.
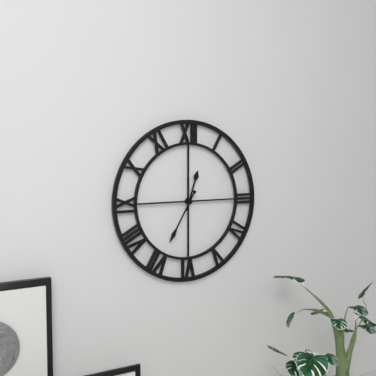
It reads {"hour": 12, "minute": 35}
